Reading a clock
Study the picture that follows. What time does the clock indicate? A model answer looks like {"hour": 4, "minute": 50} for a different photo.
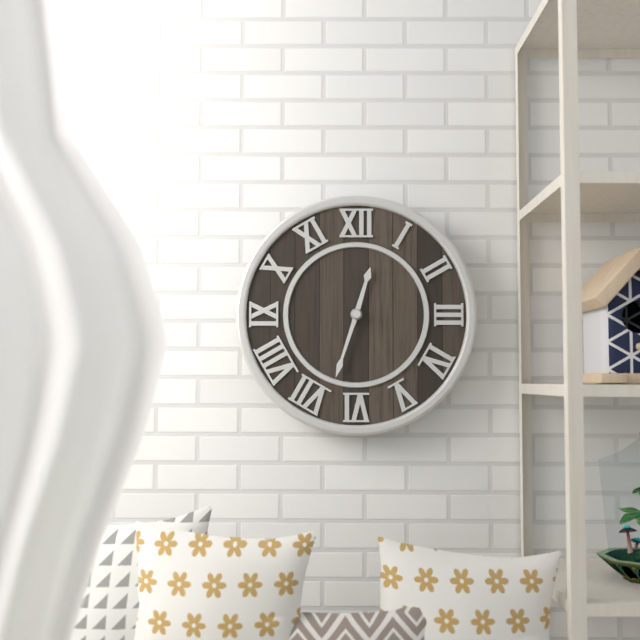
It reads {"hour": 12, "minute": 33}
